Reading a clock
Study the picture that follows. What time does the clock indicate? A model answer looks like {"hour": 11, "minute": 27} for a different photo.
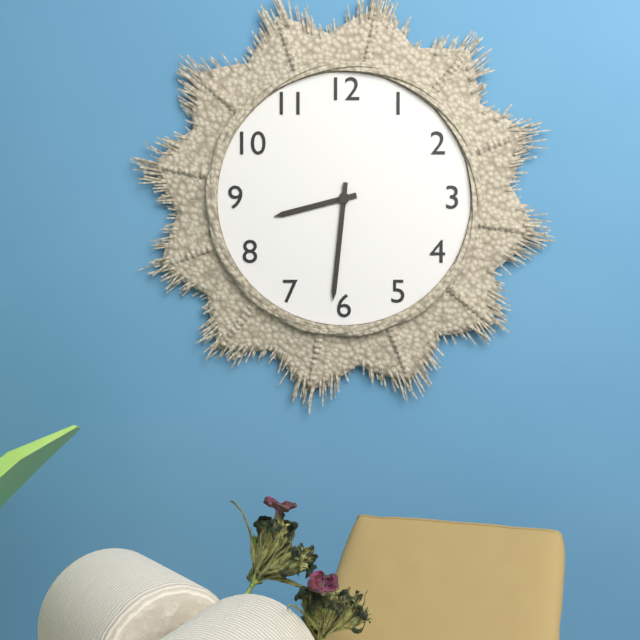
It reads {"hour": 8, "minute": 31}
